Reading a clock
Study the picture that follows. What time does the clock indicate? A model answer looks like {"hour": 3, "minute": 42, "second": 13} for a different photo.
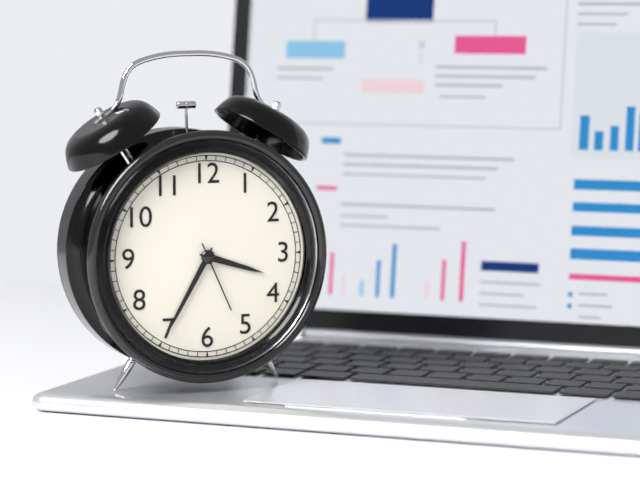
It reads {"hour": 3, "minute": 35, "second": 26}
